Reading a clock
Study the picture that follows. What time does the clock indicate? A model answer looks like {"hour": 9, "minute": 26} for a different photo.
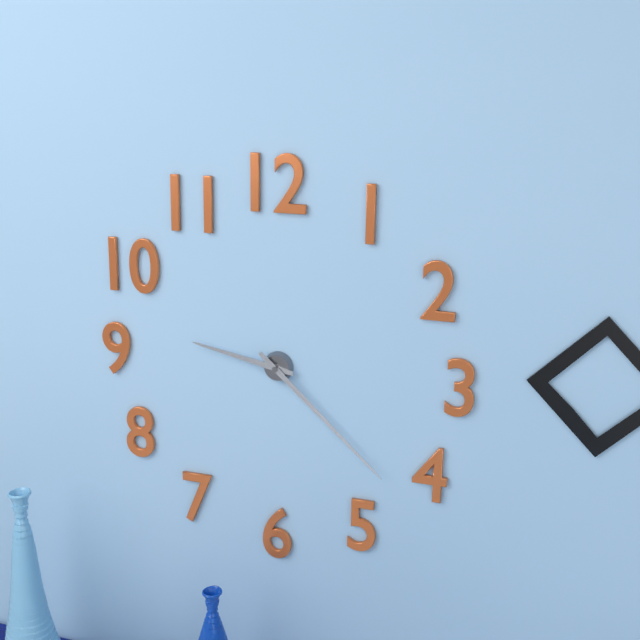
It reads {"hour": 9, "minute": 22}
